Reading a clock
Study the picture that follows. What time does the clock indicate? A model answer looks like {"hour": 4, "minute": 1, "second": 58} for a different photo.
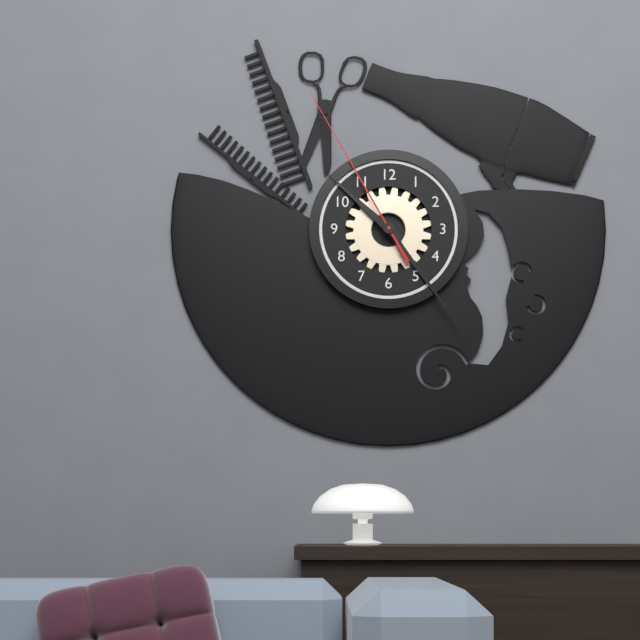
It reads {"hour": 10, "minute": 24, "second": 55}
